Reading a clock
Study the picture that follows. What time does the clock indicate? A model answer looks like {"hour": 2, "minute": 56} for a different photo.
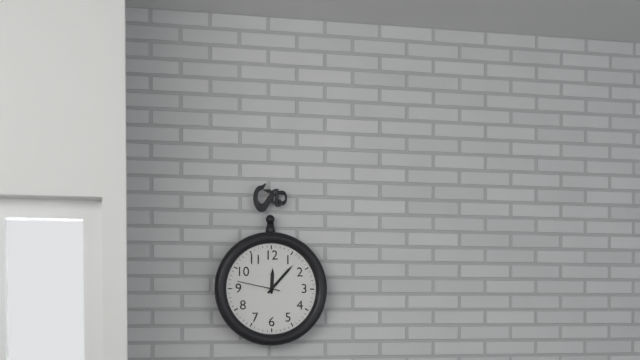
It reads {"hour": 12, "minute": 7}
